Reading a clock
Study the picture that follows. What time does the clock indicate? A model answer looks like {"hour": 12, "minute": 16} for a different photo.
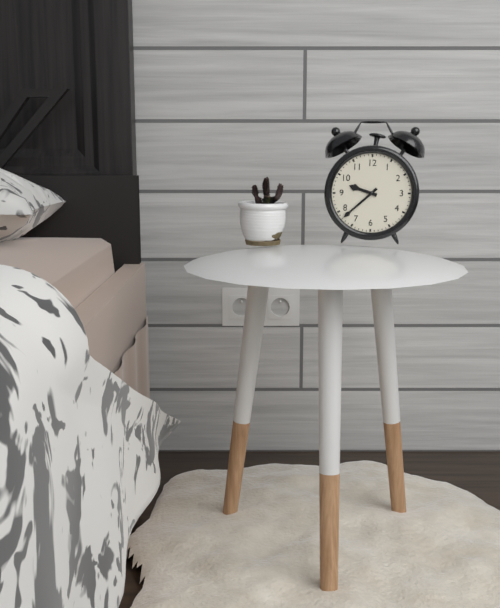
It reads {"hour": 9, "minute": 38}
